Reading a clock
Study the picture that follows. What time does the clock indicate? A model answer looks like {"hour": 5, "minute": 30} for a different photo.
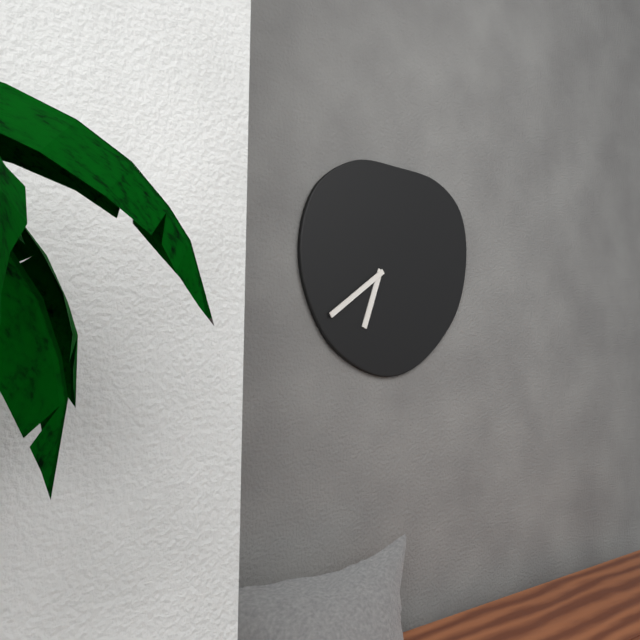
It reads {"hour": 6, "minute": 39}
